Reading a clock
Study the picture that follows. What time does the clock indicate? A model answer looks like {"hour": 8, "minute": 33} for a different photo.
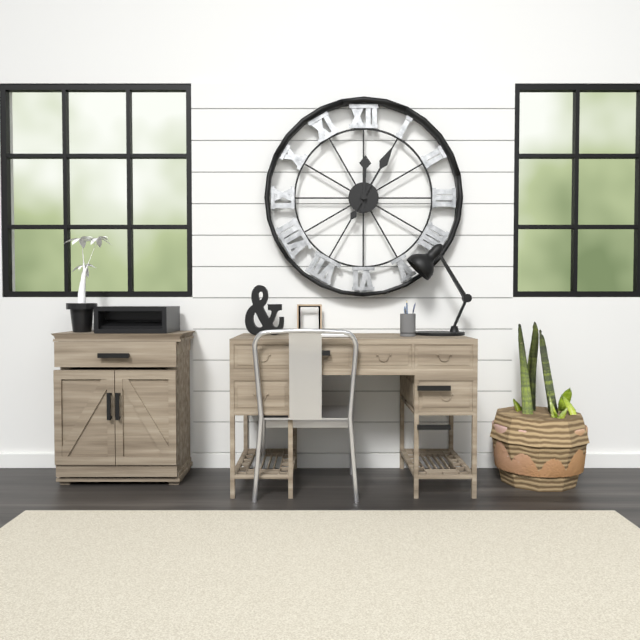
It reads {"hour": 12, "minute": 5}
